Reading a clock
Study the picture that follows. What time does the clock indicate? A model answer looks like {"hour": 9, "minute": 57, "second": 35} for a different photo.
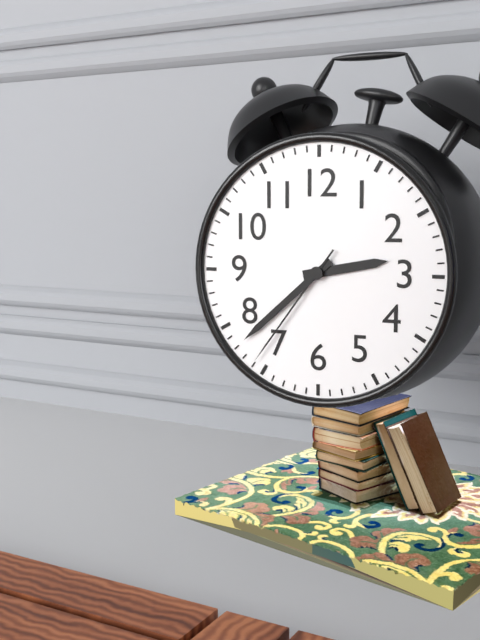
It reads {"hour": 2, "minute": 38, "second": 36}
